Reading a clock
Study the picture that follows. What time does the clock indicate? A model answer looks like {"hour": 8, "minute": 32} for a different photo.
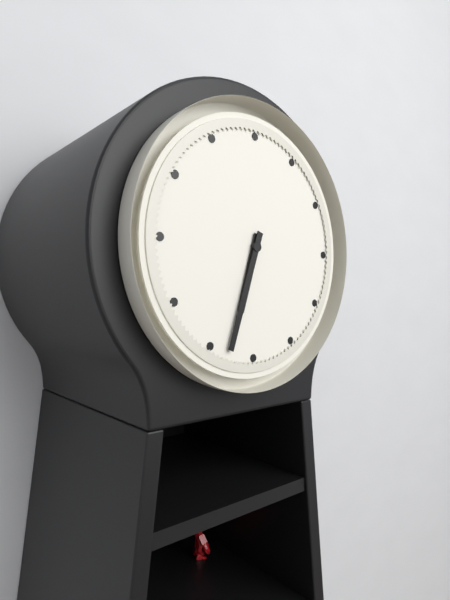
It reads {"hour": 6, "minute": 33}
